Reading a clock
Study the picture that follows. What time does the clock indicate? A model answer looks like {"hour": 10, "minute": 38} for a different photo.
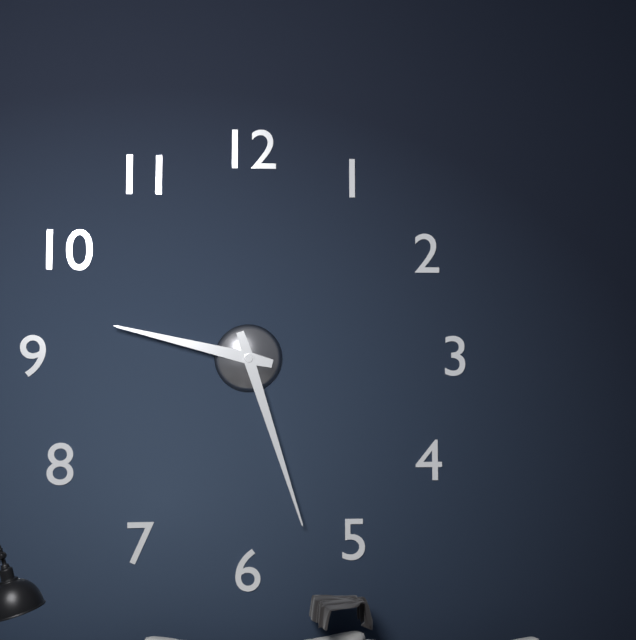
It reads {"hour": 9, "minute": 27}
